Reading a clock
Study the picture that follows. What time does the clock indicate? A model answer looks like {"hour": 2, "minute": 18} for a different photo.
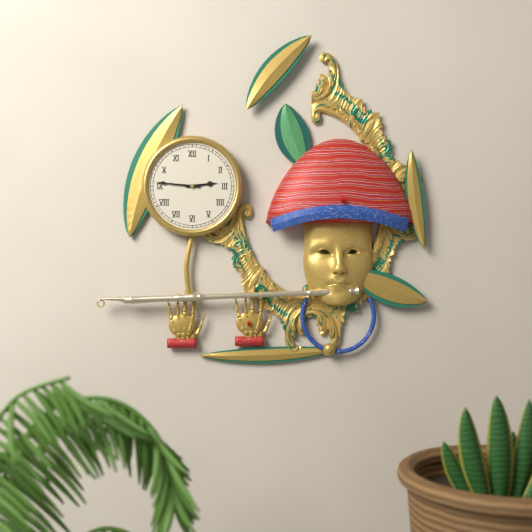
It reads {"hour": 2, "minute": 46}
